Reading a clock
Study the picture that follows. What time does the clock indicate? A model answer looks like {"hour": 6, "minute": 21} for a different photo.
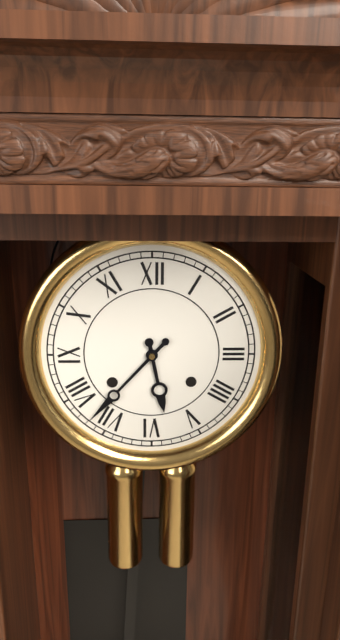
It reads {"hour": 5, "minute": 37}
